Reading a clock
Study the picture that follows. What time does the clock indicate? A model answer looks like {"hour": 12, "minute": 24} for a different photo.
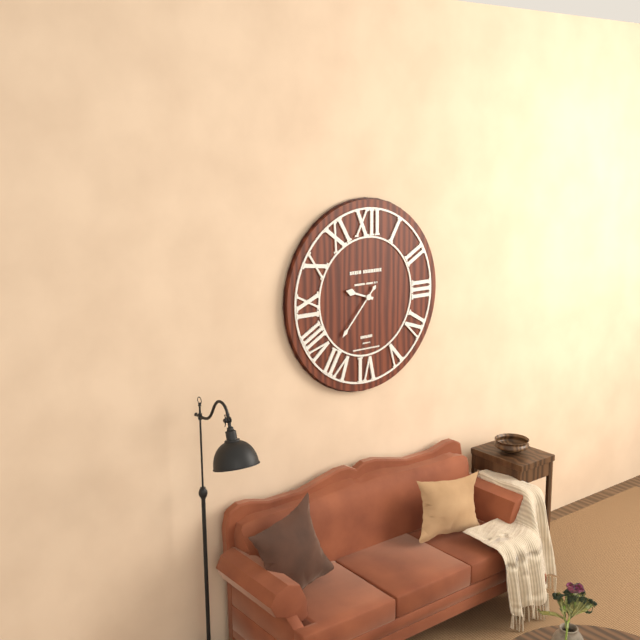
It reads {"hour": 9, "minute": 37}
